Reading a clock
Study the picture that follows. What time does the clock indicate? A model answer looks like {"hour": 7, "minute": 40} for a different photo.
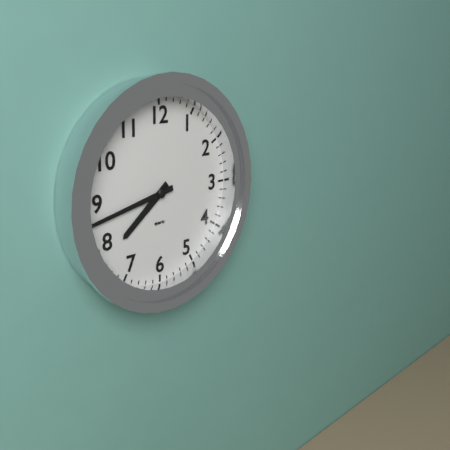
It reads {"hour": 7, "minute": 43}
